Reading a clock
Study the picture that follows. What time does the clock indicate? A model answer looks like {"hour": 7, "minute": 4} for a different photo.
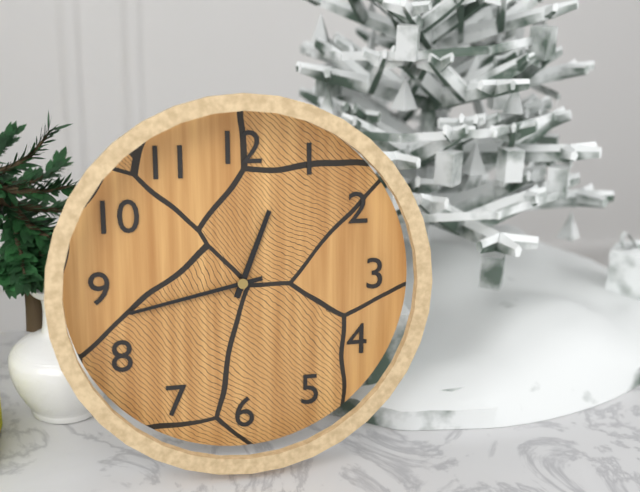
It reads {"hour": 12, "minute": 43}
